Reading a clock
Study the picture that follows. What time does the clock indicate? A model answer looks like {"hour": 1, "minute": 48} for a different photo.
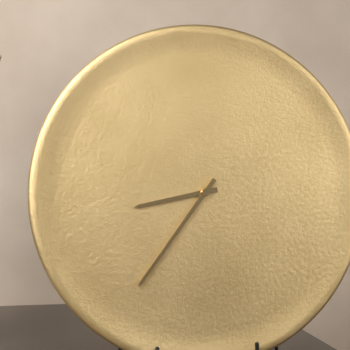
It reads {"hour": 8, "minute": 36}
